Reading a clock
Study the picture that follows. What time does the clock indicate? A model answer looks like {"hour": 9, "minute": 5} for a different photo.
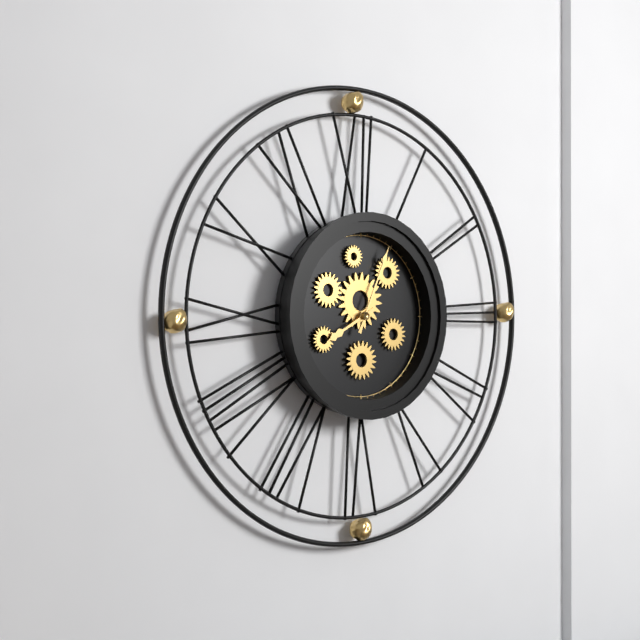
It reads {"hour": 8, "minute": 4}
